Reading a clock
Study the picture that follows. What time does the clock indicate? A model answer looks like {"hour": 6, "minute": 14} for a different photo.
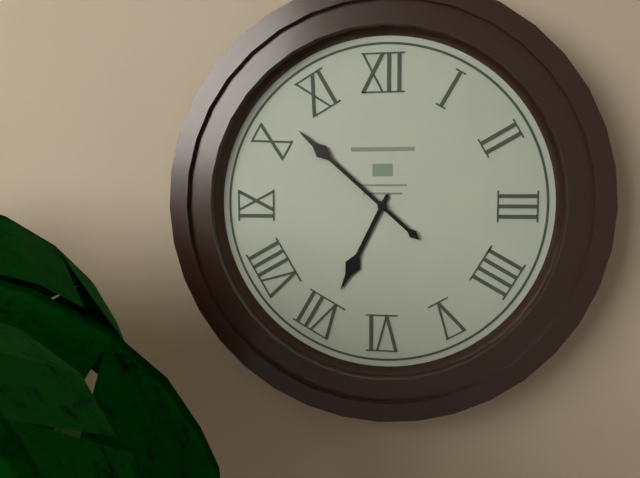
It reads {"hour": 6, "minute": 52}
